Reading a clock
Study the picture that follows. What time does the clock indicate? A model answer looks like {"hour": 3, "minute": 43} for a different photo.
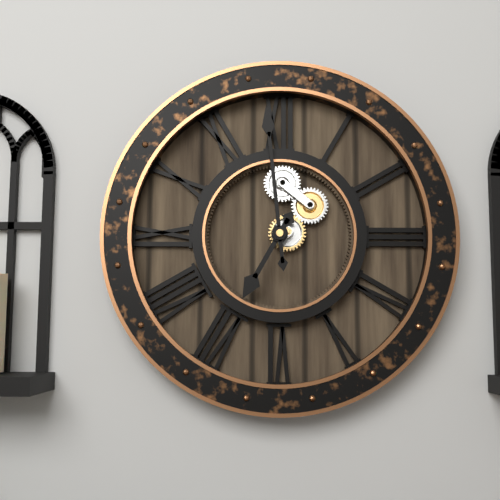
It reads {"hour": 6, "minute": 59}
